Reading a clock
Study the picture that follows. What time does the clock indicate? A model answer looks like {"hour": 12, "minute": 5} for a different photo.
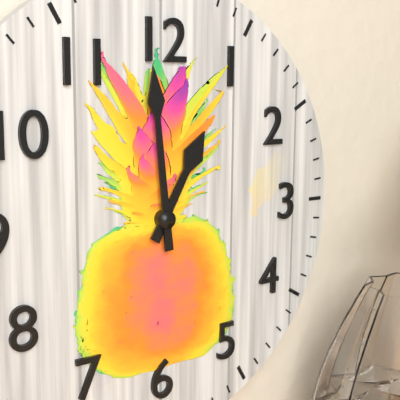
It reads {"hour": 12, "minute": 59}
